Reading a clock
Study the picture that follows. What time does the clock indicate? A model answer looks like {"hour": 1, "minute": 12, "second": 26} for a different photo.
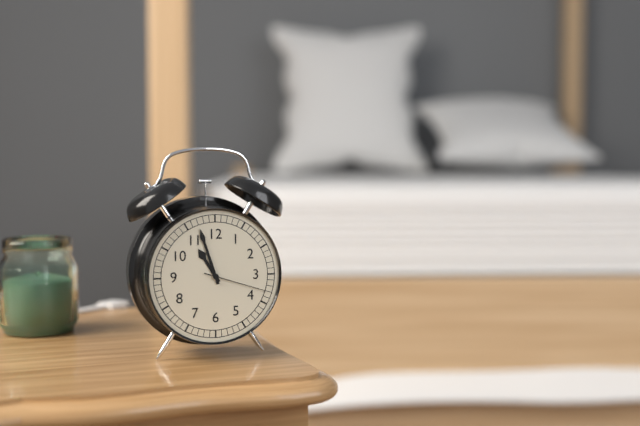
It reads {"hour": 10, "minute": 57, "second": 18}
